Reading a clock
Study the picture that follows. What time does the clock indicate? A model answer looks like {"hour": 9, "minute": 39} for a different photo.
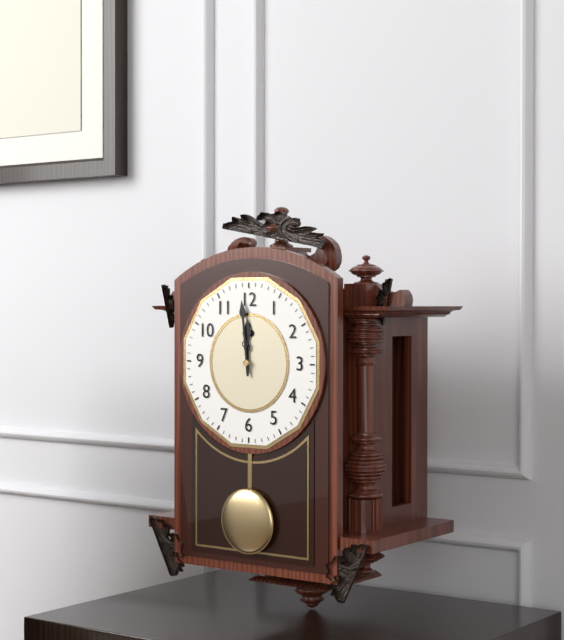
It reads {"hour": 11, "minute": 59}
